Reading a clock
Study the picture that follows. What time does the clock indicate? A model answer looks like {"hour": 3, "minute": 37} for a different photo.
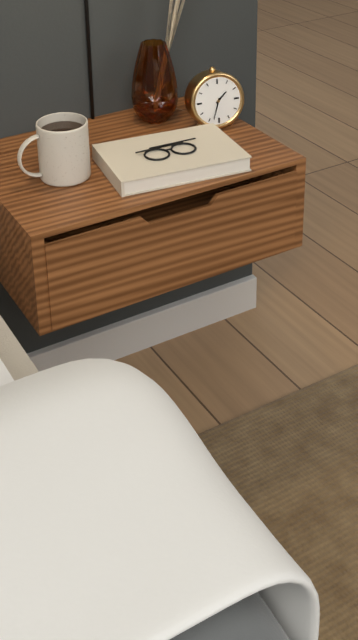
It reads {"hour": 1, "minute": 33}
